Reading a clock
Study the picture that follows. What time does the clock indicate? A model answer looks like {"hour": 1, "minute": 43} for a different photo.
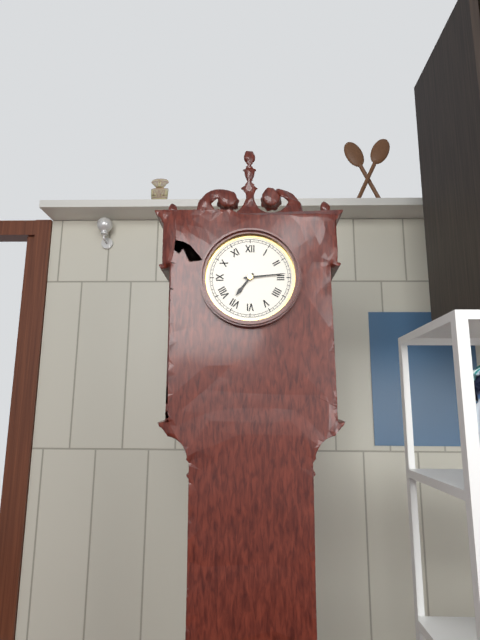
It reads {"hour": 7, "minute": 14}
